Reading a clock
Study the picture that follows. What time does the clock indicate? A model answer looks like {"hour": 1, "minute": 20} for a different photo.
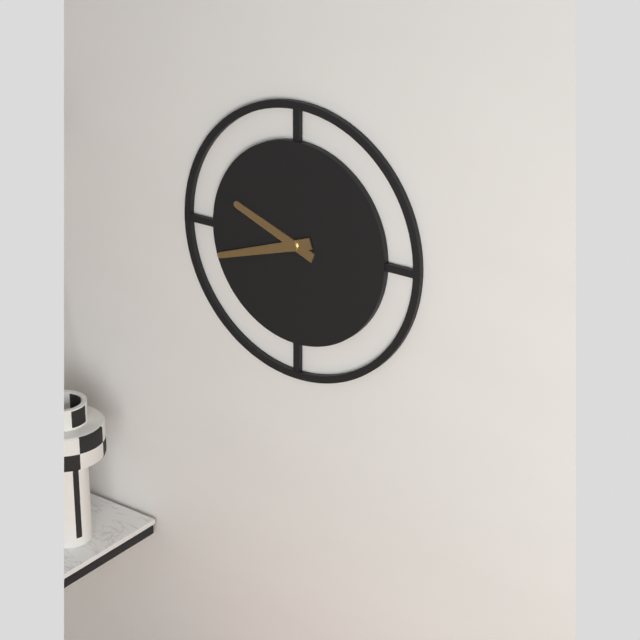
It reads {"hour": 9, "minute": 42}
